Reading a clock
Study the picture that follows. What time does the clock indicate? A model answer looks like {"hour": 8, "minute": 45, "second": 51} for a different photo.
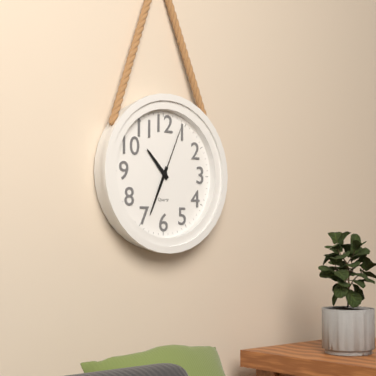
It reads {"hour": 10, "minute": 34, "second": 4}
